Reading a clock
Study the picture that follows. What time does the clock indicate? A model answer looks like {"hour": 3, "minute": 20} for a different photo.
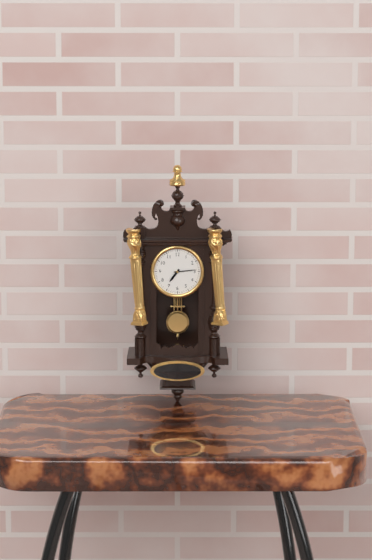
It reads {"hour": 7, "minute": 14}
